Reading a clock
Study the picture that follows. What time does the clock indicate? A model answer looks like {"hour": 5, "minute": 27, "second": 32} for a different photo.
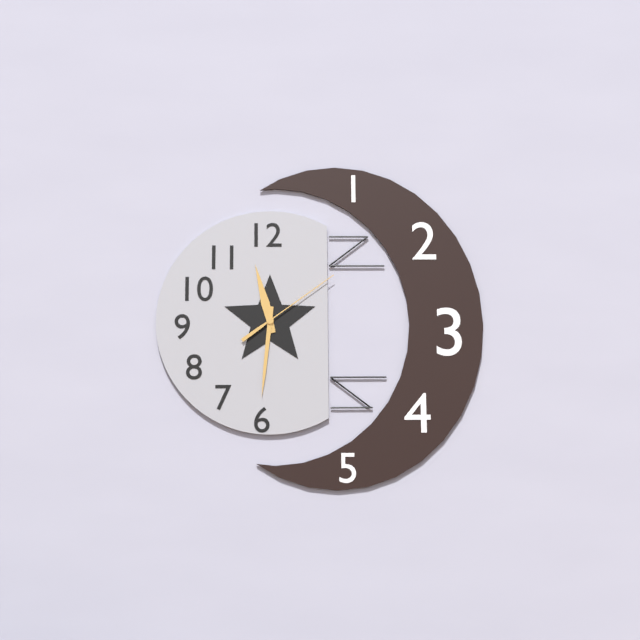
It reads {"hour": 11, "minute": 31, "second": 9}
